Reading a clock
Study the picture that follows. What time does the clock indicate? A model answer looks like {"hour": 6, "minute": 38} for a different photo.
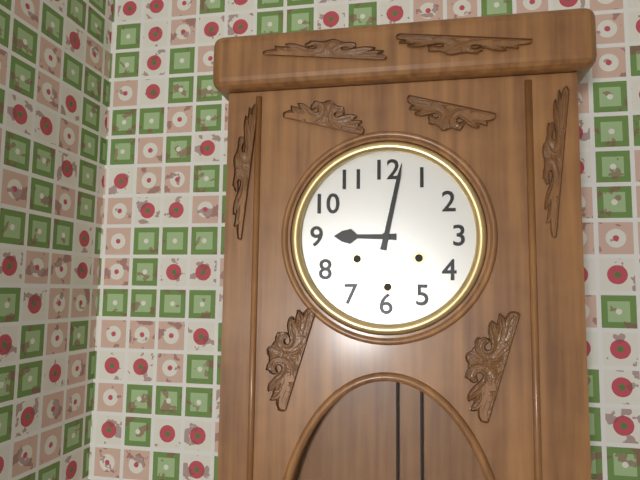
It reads {"hour": 9, "minute": 2}
